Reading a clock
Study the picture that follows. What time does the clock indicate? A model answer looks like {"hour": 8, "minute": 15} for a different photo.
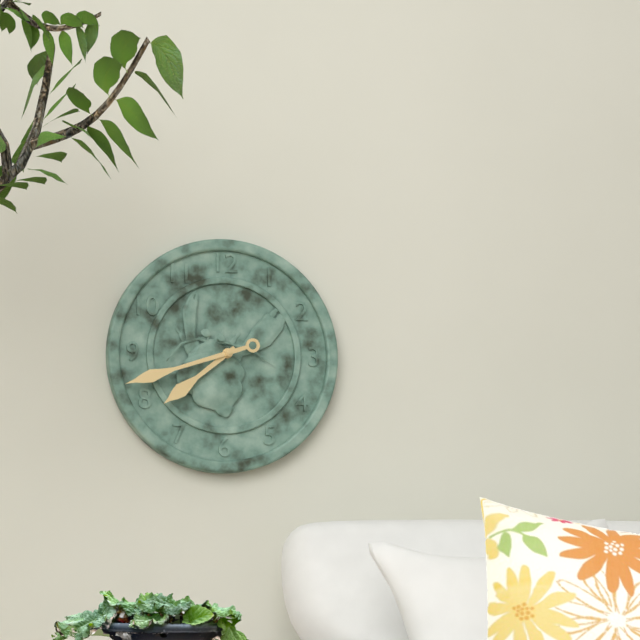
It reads {"hour": 7, "minute": 42}
